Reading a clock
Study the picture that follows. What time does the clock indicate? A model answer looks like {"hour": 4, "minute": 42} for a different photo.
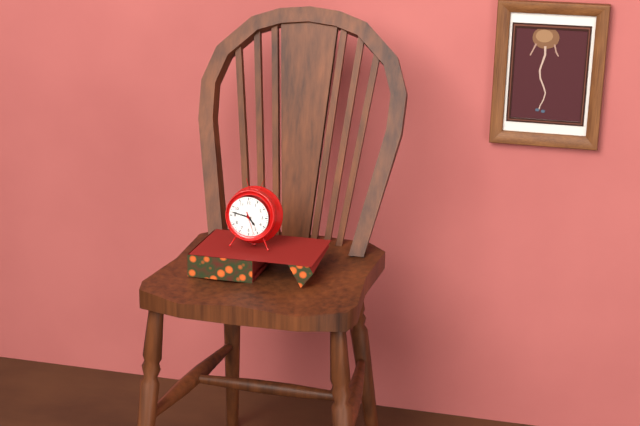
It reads {"hour": 4, "minute": 47}
